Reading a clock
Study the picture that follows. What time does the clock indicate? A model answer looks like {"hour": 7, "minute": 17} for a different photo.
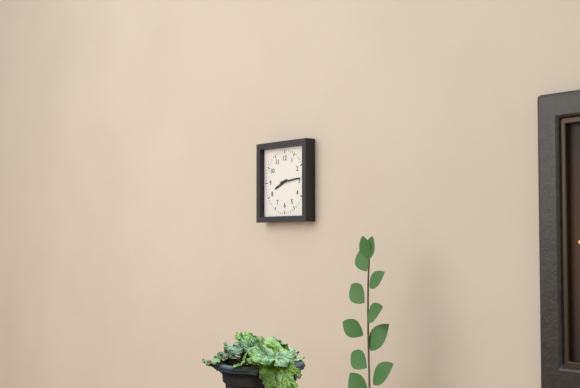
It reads {"hour": 8, "minute": 14}
